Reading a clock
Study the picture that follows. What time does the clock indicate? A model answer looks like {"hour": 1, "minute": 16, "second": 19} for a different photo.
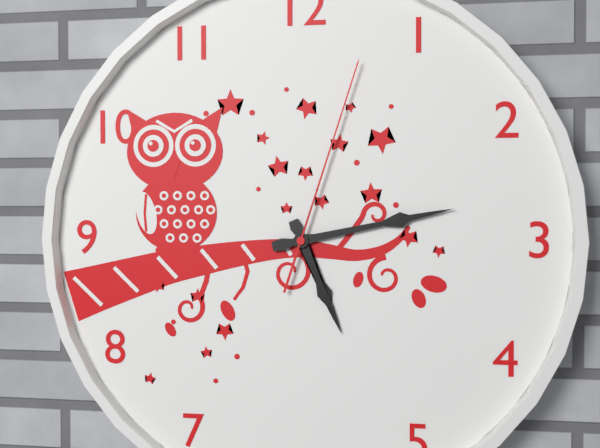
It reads {"hour": 5, "minute": 13, "second": 3}
